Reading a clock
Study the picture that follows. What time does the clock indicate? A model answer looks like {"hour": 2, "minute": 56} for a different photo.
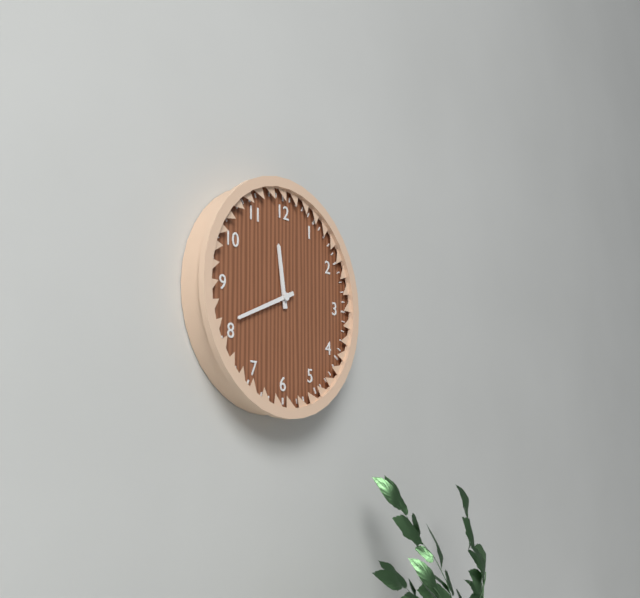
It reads {"hour": 11, "minute": 41}
